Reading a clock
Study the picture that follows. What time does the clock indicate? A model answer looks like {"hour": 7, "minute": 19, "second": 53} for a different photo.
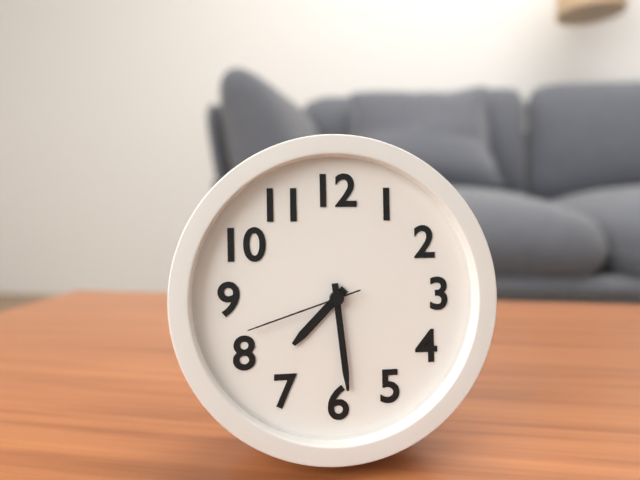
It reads {"hour": 7, "minute": 29, "second": 42}
